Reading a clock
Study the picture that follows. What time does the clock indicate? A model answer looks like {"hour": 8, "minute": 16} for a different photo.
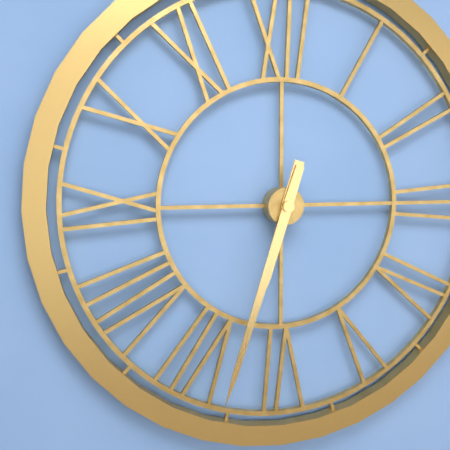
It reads {"hour": 6, "minute": 33}
